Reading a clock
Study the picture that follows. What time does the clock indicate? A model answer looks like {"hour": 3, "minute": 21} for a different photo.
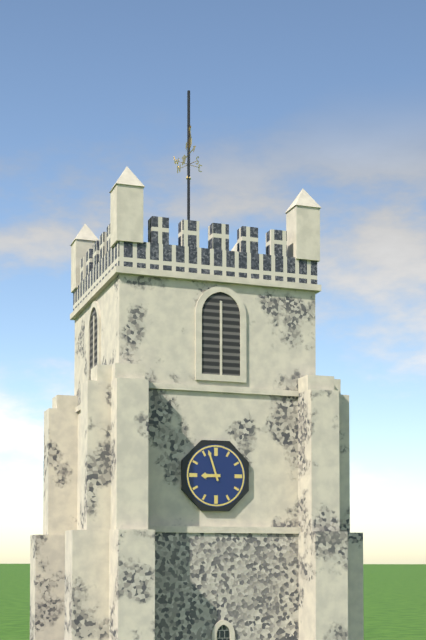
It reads {"hour": 8, "minute": 57}
